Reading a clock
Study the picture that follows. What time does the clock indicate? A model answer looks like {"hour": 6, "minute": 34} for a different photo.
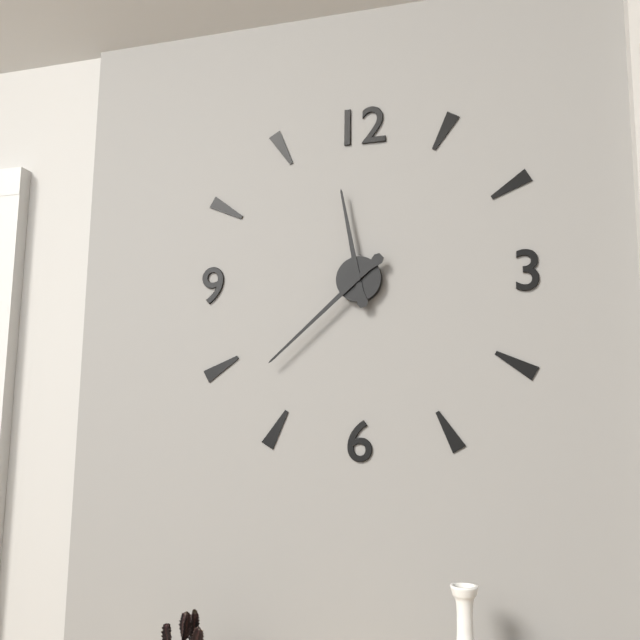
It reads {"hour": 11, "minute": 38}
